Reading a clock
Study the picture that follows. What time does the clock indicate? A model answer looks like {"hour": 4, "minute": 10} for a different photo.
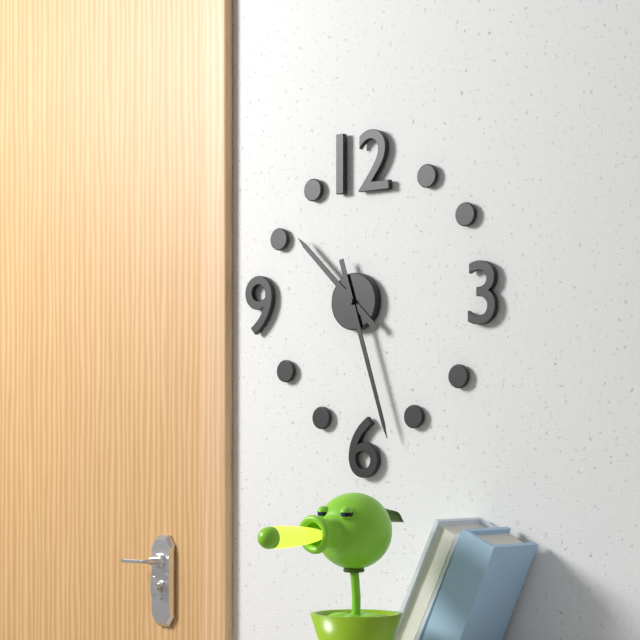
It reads {"hour": 10, "minute": 27}
